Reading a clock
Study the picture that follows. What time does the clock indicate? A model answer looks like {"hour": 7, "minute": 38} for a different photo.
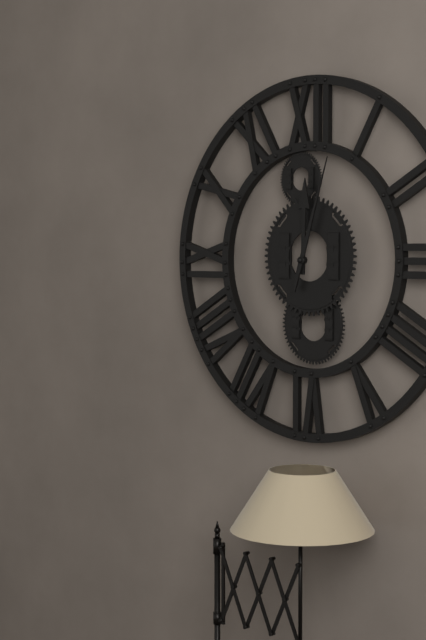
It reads {"hour": 12, "minute": 3}
